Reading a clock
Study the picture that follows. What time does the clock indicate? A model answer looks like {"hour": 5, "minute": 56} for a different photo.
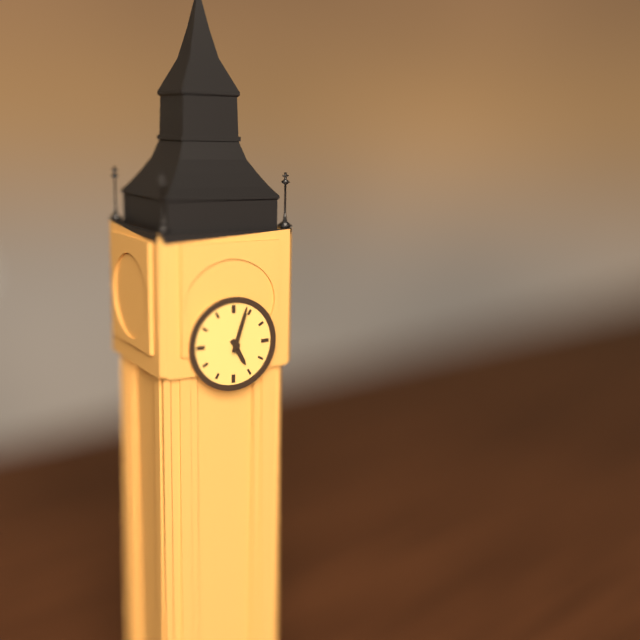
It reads {"hour": 5, "minute": 3}
